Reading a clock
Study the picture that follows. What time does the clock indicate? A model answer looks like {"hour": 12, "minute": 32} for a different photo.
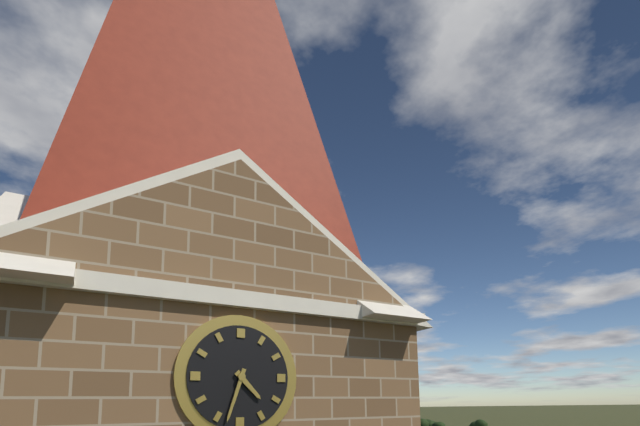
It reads {"hour": 4, "minute": 33}
